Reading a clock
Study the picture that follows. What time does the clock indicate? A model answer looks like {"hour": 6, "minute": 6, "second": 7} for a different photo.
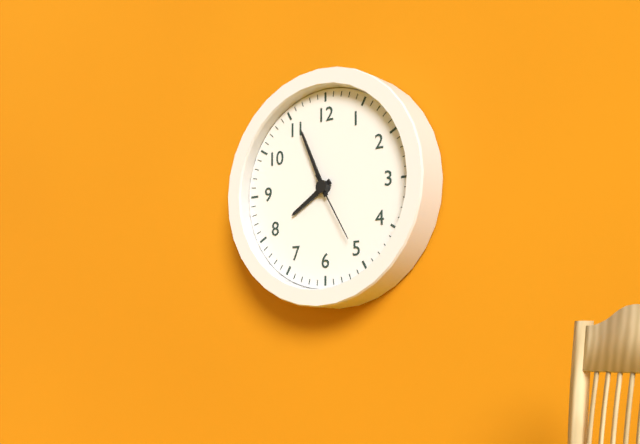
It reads {"hour": 7, "minute": 56, "second": 25}
